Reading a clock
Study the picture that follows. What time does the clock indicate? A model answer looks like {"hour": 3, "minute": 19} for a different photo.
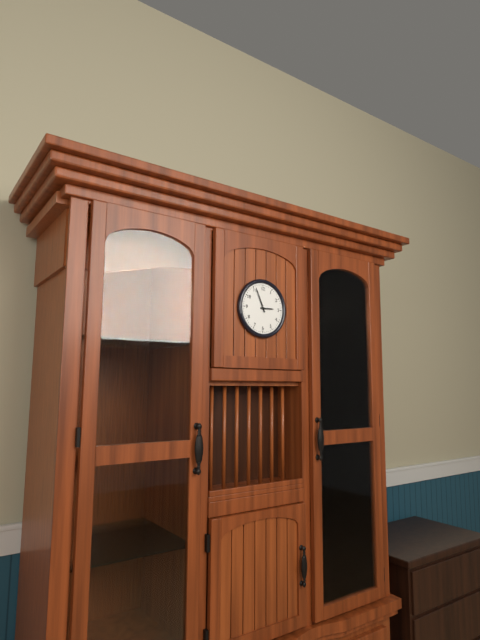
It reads {"hour": 2, "minute": 56}
